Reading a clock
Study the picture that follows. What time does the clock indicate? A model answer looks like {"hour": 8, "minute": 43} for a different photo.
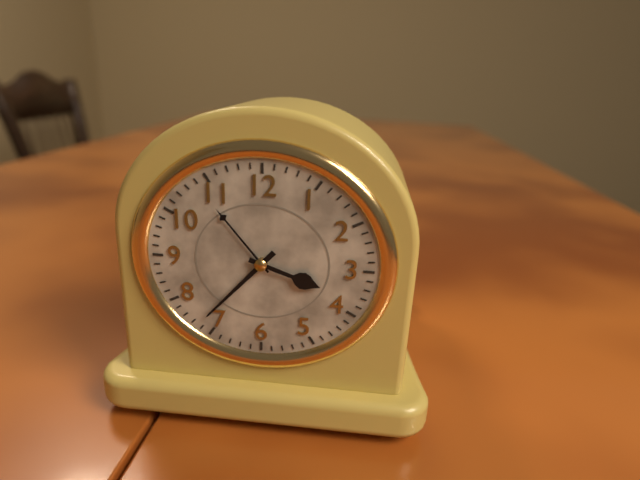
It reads {"hour": 3, "minute": 37}
